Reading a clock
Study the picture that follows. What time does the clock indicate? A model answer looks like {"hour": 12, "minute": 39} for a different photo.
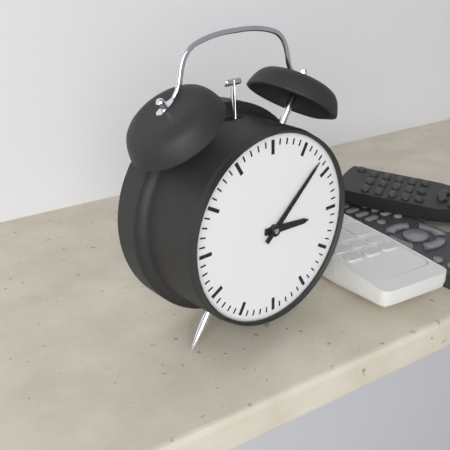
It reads {"hour": 3, "minute": 8}
